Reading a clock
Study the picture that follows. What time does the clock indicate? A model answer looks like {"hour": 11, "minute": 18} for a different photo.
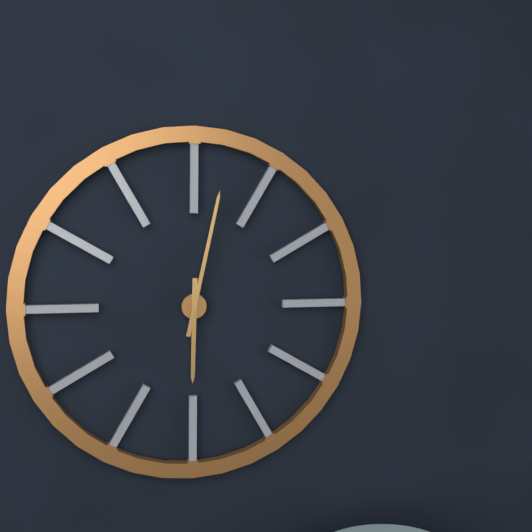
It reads {"hour": 6, "minute": 2}
